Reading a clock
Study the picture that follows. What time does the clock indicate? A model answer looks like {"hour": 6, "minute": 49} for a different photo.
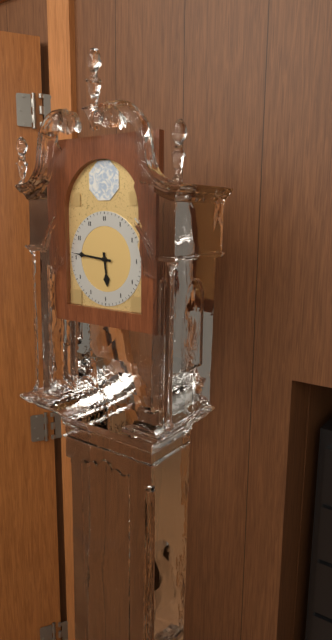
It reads {"hour": 5, "minute": 46}
